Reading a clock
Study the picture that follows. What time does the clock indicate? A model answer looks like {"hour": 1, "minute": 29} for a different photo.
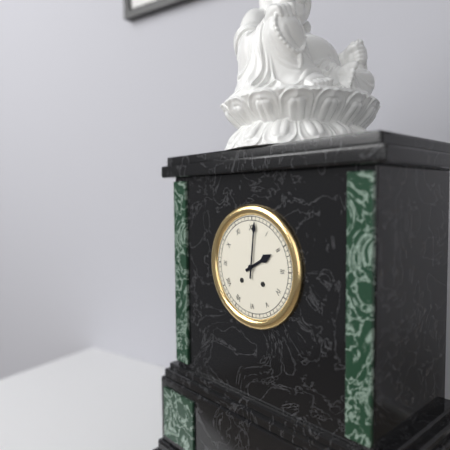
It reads {"hour": 2, "minute": 1}
